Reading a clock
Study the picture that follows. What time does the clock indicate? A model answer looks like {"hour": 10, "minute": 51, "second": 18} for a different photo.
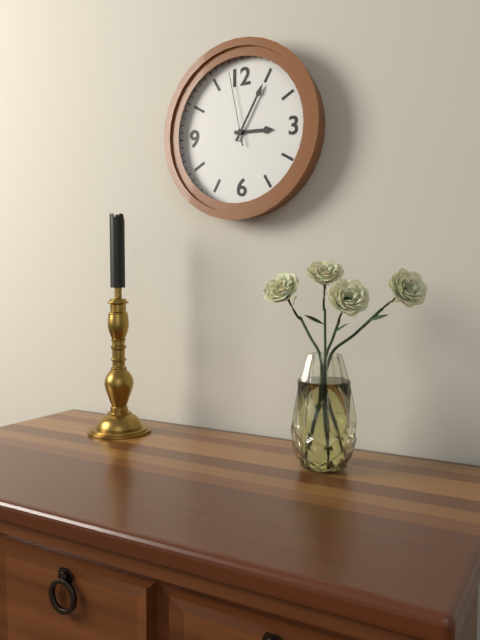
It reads {"hour": 3, "minute": 5, "second": 58}
